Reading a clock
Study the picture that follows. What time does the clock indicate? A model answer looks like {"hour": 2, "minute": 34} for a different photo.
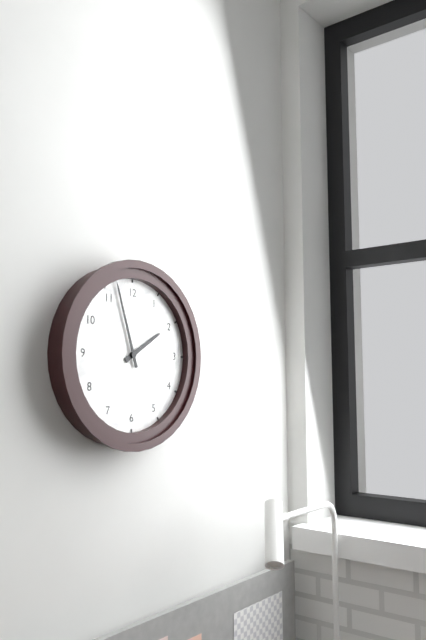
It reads {"hour": 1, "minute": 57}
